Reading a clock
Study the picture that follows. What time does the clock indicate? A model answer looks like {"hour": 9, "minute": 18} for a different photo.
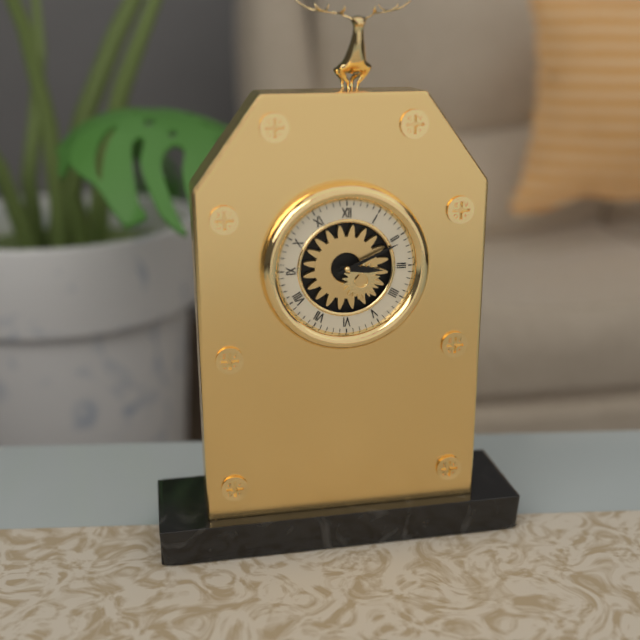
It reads {"hour": 3, "minute": 11}
